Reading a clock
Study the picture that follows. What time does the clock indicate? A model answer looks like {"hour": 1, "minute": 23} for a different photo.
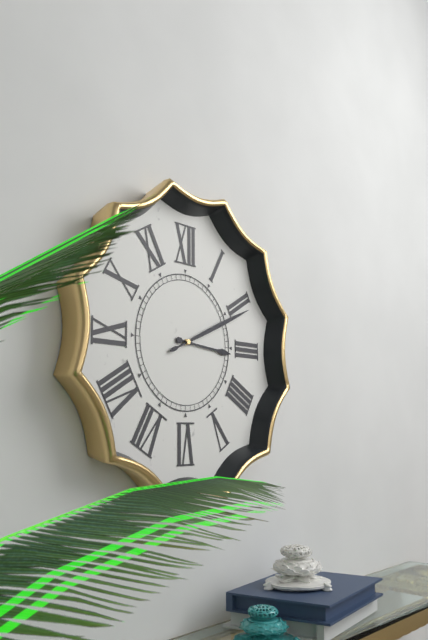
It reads {"hour": 3, "minute": 11}
